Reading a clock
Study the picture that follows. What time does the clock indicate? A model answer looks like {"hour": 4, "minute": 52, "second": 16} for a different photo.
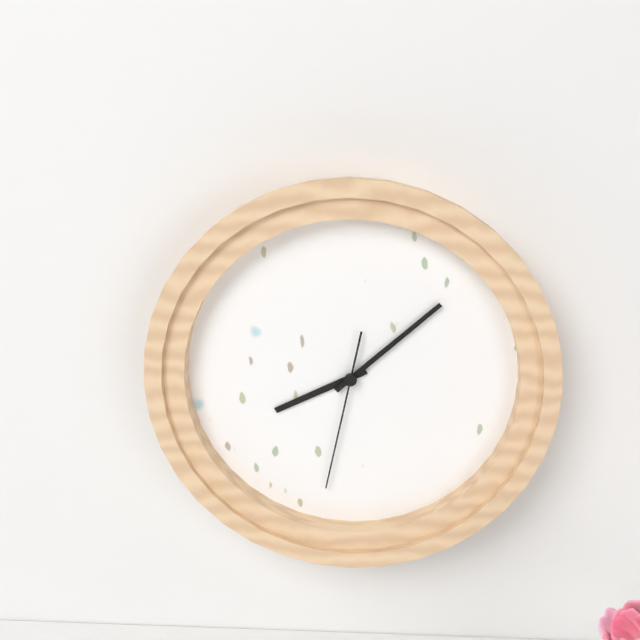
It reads {"hour": 8, "minute": 8, "second": 32}
